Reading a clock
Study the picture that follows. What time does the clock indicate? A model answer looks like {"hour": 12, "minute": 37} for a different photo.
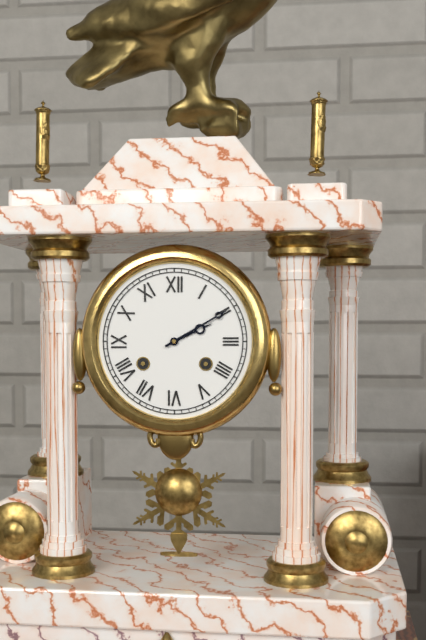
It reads {"hour": 2, "minute": 10}
